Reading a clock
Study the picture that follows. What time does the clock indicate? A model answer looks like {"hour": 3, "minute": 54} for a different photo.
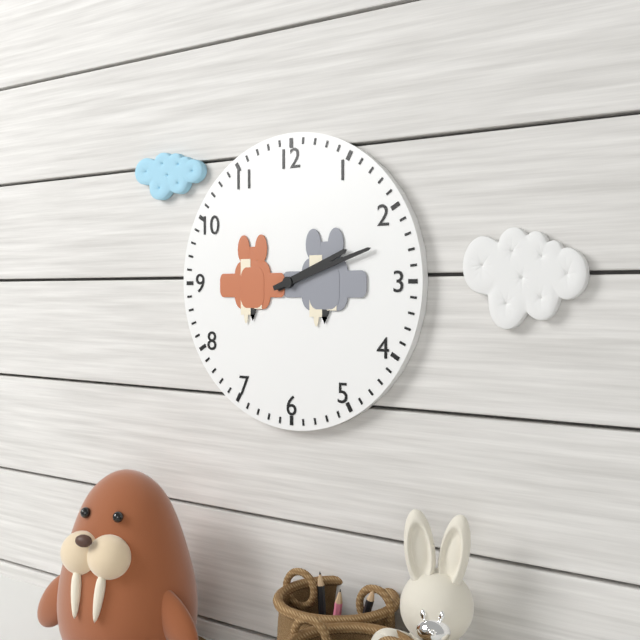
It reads {"hour": 2, "minute": 12}
